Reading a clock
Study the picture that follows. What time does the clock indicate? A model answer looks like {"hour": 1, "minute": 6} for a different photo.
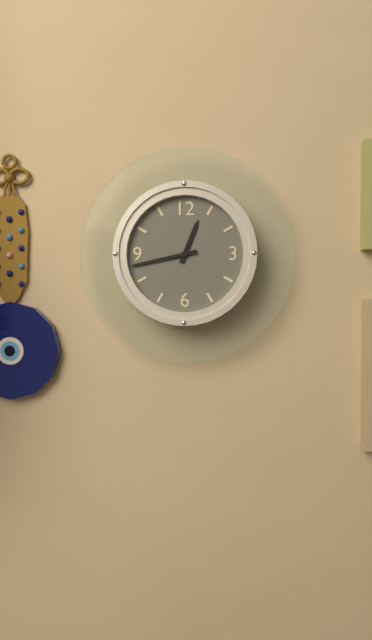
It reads {"hour": 12, "minute": 43}
